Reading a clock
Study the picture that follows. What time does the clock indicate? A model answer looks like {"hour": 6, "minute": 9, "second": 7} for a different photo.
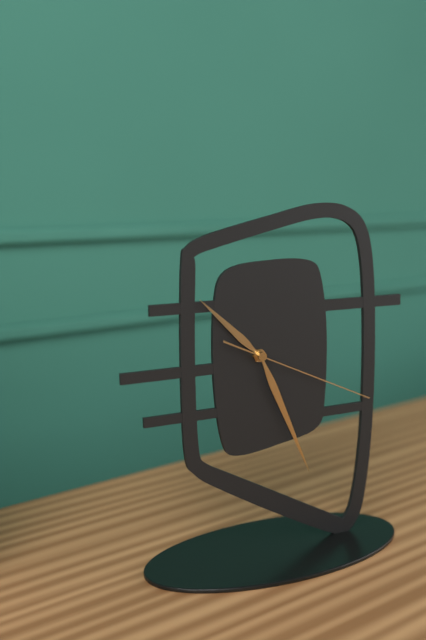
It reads {"hour": 10, "minute": 26, "second": 19}
